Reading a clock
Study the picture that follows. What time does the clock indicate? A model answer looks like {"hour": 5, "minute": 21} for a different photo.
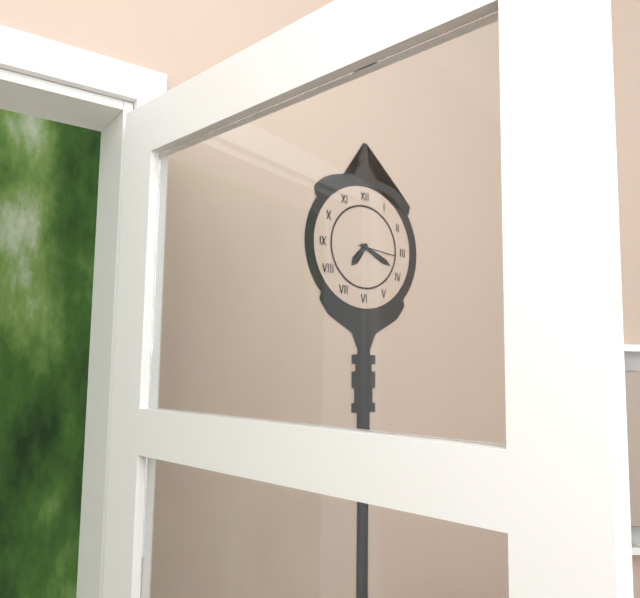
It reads {"hour": 7, "minute": 19}
